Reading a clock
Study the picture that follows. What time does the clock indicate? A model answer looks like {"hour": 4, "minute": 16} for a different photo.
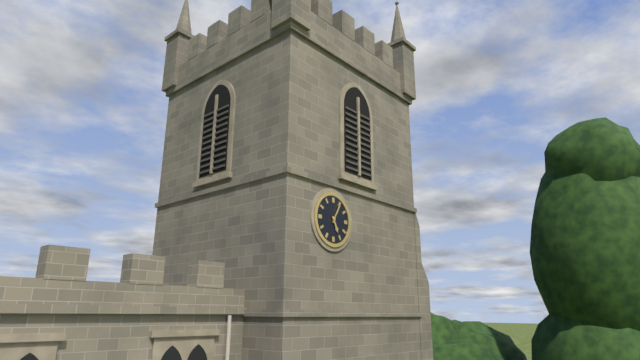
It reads {"hour": 5, "minute": 5}
